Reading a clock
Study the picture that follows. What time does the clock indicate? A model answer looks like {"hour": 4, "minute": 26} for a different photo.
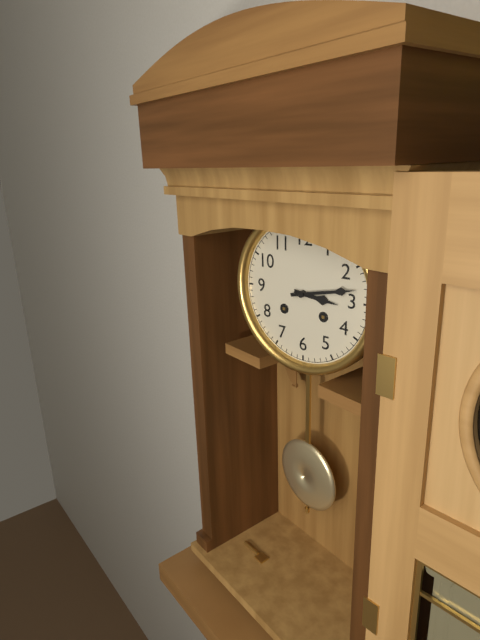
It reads {"hour": 3, "minute": 13}
